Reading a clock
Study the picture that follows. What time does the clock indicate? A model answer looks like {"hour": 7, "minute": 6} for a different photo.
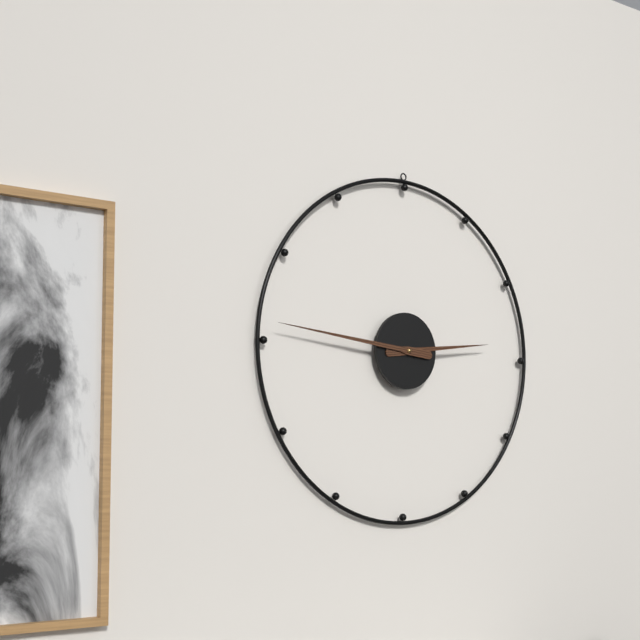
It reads {"hour": 2, "minute": 46}
